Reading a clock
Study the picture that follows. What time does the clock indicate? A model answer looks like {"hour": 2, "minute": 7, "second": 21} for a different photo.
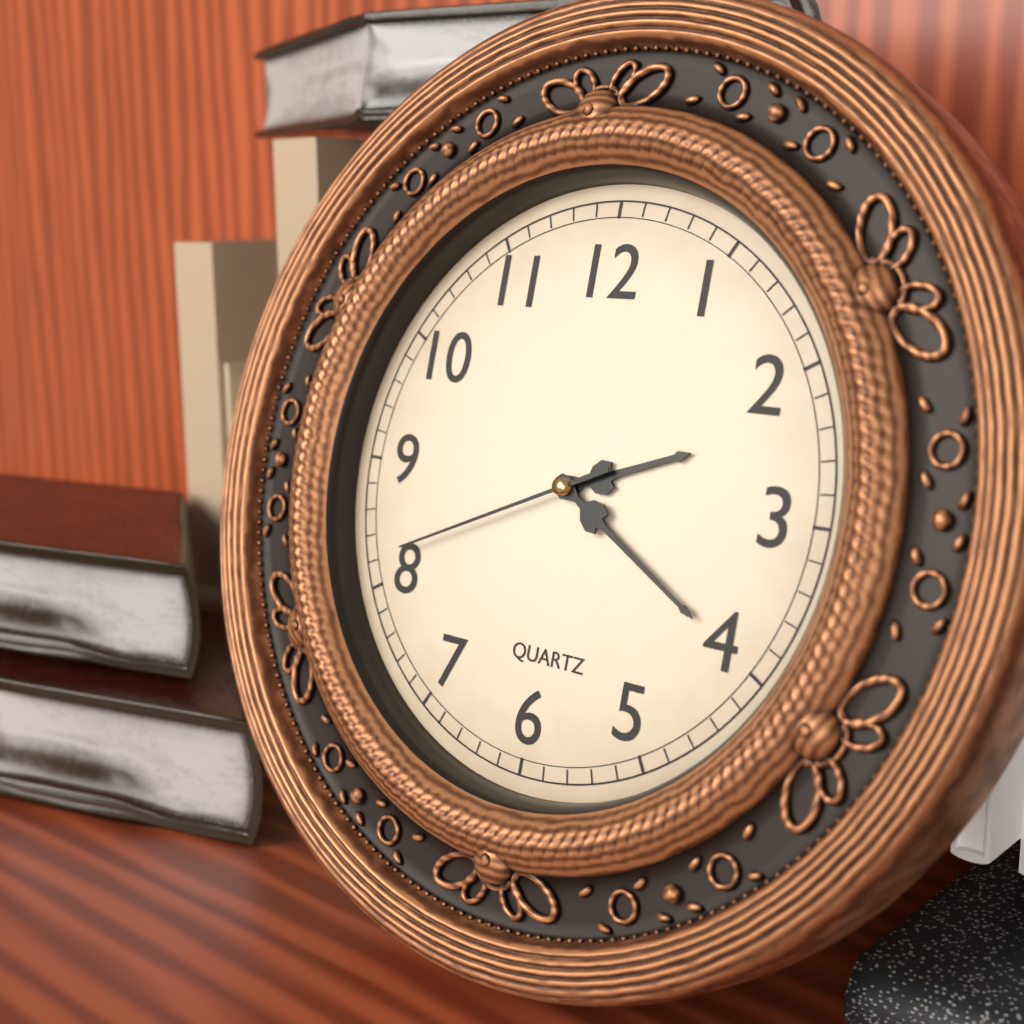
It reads {"hour": 2, "minute": 20, "second": 41}
